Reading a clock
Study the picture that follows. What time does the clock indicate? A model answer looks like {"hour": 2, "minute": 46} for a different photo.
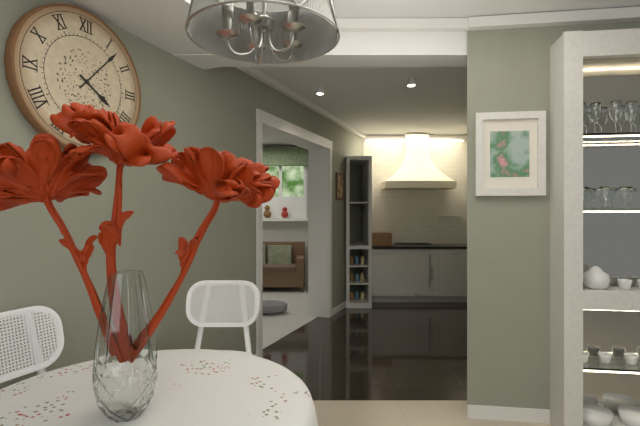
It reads {"hour": 4, "minute": 7}
